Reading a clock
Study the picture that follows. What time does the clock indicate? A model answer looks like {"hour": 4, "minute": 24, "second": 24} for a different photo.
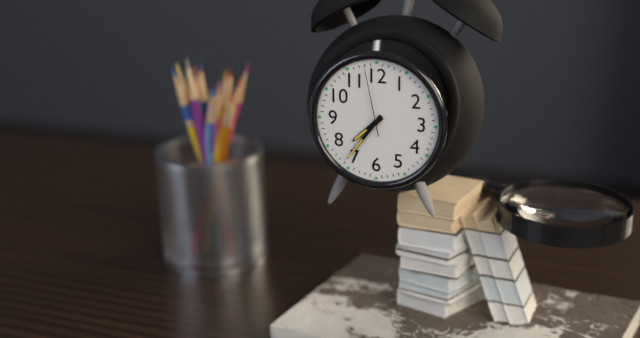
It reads {"hour": 7, "minute": 36, "second": 58}
